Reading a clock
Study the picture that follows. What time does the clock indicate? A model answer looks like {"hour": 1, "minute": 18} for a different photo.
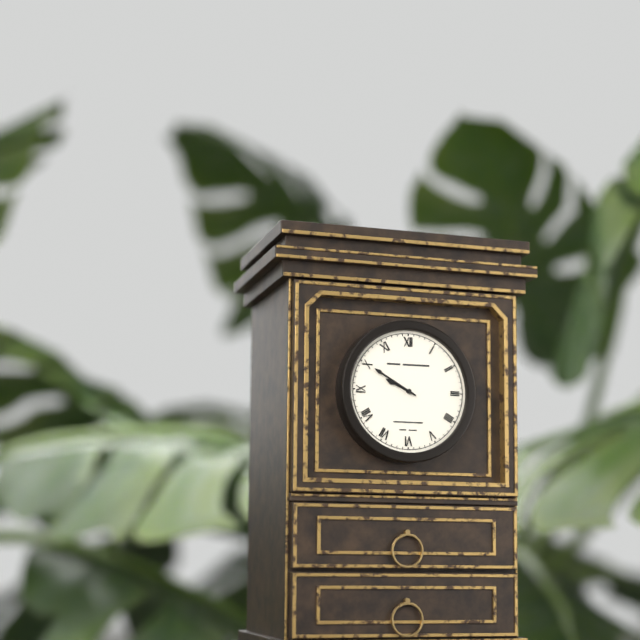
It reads {"hour": 9, "minute": 50}
